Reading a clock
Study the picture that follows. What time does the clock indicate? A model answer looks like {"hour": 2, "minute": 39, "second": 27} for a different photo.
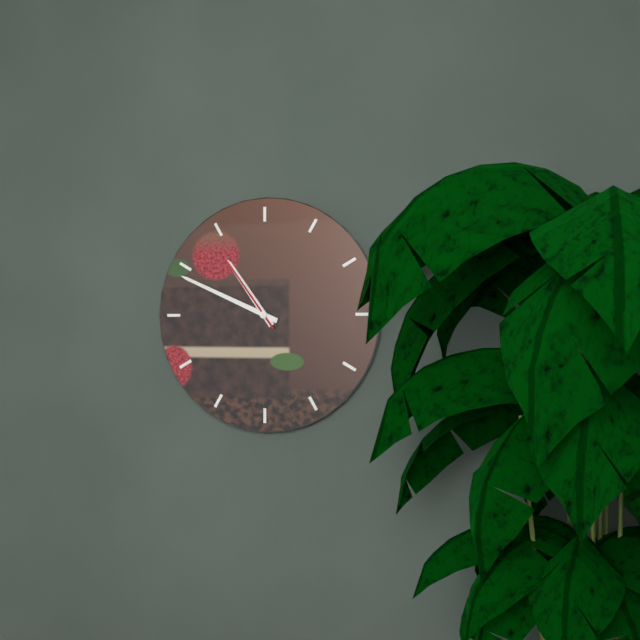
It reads {"hour": 10, "minute": 49, "second": 54}
